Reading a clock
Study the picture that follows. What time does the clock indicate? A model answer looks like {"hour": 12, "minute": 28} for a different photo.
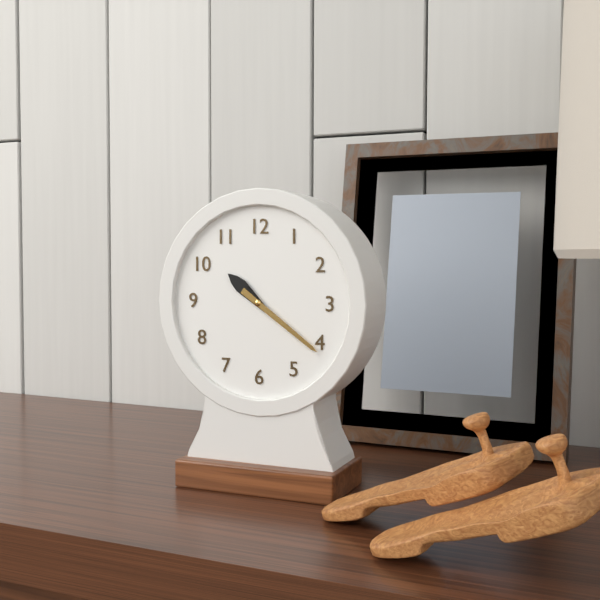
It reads {"hour": 10, "minute": 21}
